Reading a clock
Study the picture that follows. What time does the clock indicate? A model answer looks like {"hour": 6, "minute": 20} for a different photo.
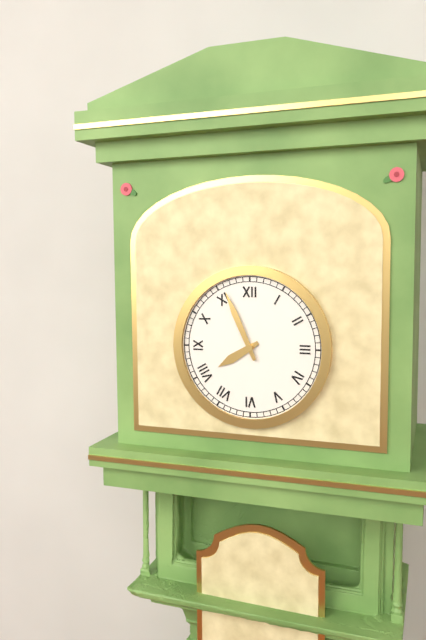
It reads {"hour": 7, "minute": 56}
